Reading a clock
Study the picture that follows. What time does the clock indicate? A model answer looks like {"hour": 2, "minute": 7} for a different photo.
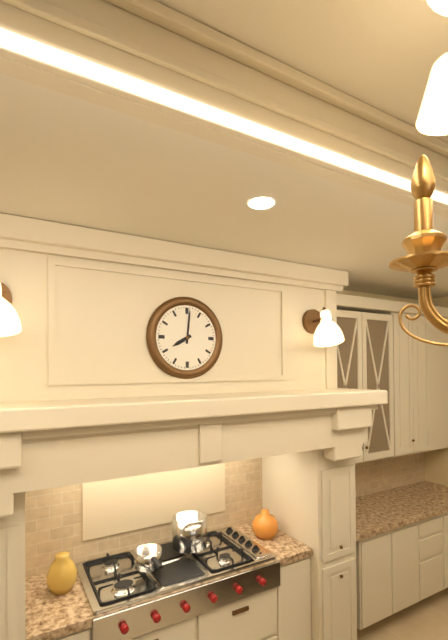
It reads {"hour": 8, "minute": 1}
